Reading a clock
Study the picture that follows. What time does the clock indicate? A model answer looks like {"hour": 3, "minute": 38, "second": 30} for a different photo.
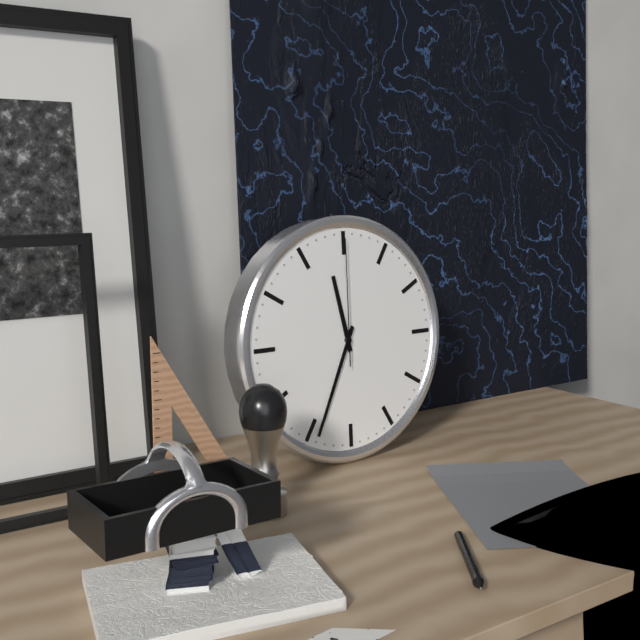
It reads {"hour": 11, "minute": 34, "second": 0}
